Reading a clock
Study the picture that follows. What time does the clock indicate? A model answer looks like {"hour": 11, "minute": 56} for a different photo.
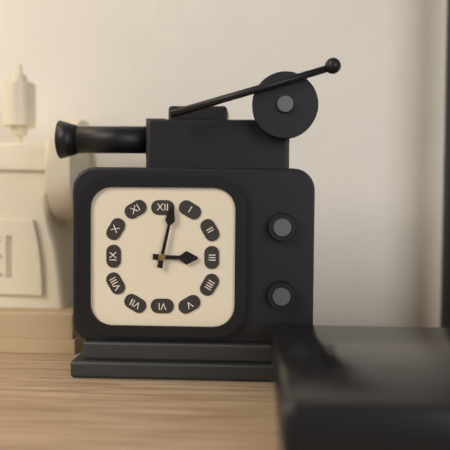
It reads {"hour": 3, "minute": 2}
